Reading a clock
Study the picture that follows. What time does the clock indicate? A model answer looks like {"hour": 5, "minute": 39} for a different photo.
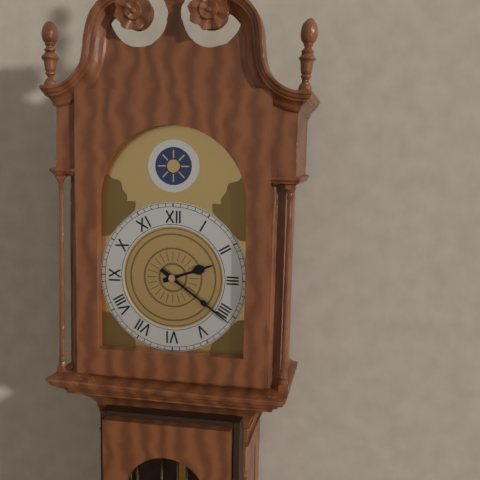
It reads {"hour": 2, "minute": 21}
